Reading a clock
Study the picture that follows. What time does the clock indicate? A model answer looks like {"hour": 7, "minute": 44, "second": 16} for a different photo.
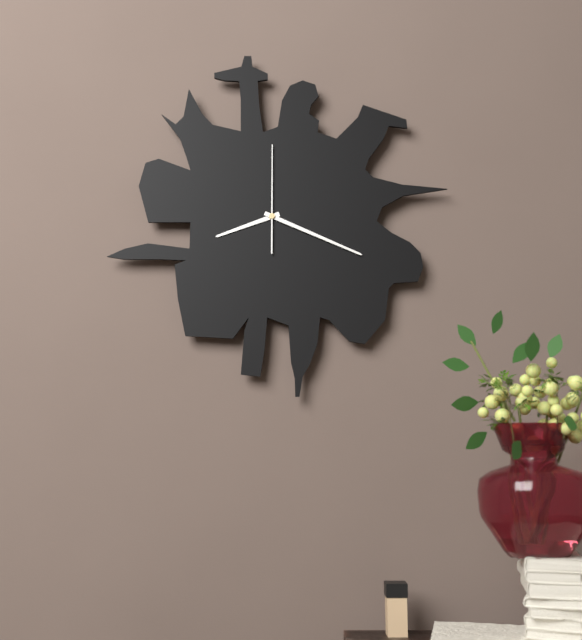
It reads {"hour": 8, "minute": 19, "second": 0}
